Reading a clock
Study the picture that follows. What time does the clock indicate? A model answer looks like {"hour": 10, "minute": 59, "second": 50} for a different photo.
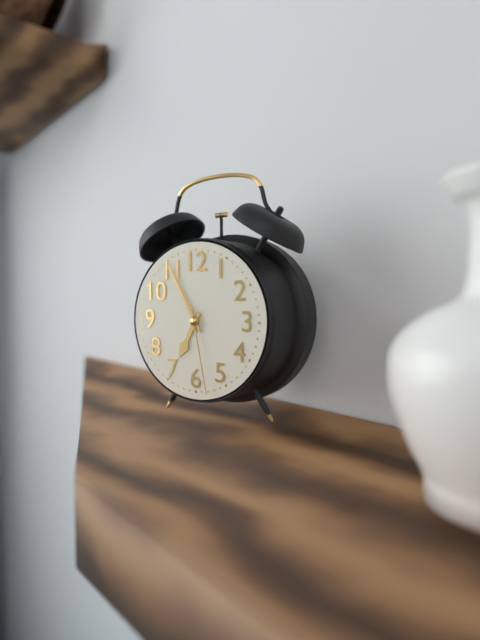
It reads {"hour": 6, "minute": 55, "second": 28}
